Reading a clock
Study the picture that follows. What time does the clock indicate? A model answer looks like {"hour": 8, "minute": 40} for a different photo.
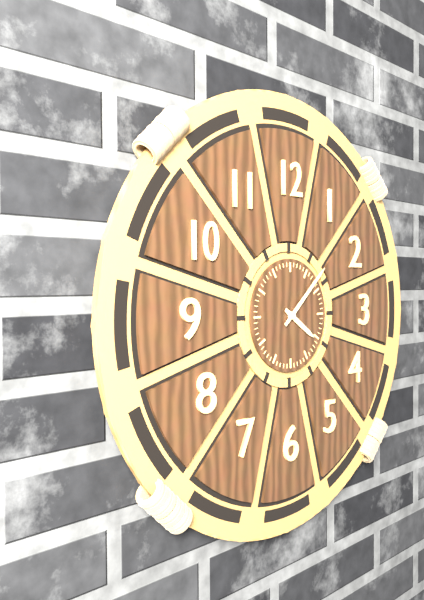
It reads {"hour": 4, "minute": 8}
